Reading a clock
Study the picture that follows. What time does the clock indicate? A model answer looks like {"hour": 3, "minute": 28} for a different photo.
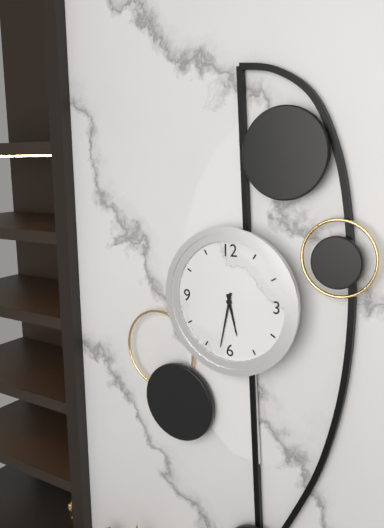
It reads {"hour": 5, "minute": 32}
